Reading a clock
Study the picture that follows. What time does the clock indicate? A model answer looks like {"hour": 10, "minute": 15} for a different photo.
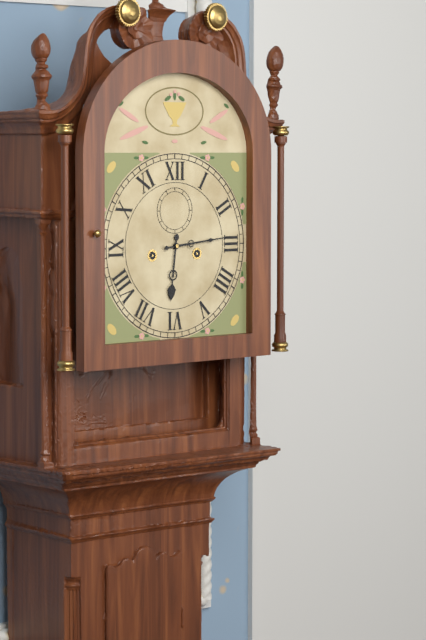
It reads {"hour": 6, "minute": 14}
